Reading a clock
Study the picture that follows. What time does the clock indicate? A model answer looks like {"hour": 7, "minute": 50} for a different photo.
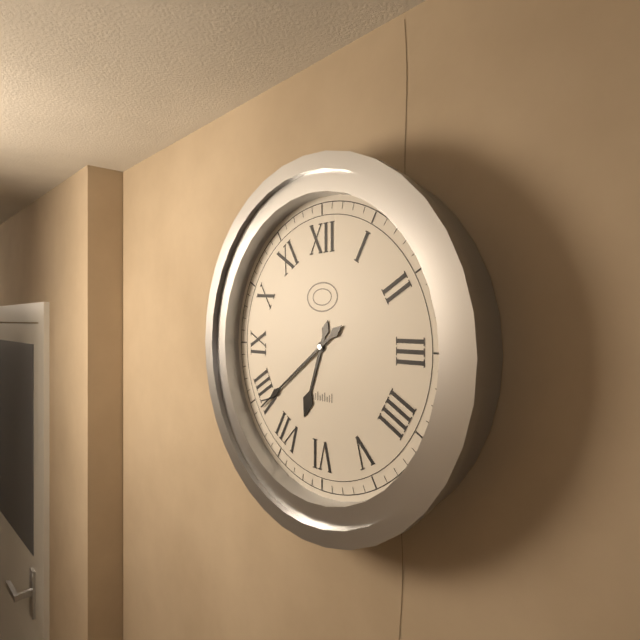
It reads {"hour": 6, "minute": 39}
